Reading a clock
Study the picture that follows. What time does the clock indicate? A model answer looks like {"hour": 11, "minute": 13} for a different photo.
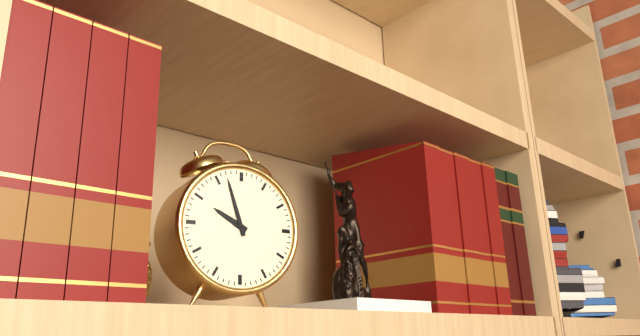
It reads {"hour": 9, "minute": 57}
